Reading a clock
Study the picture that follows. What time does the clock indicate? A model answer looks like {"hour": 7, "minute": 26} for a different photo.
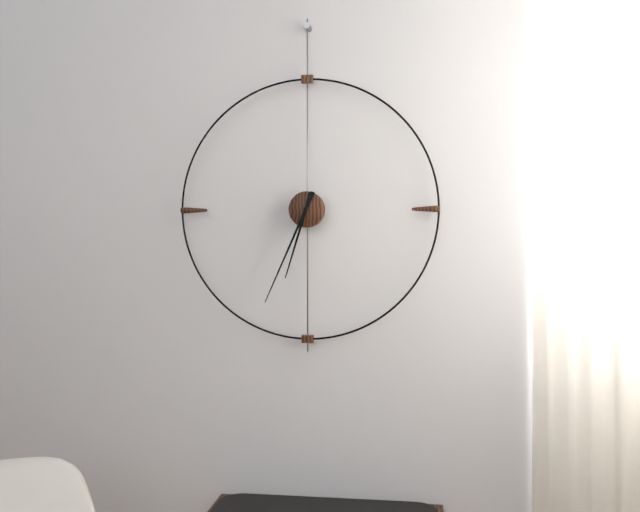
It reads {"hour": 6, "minute": 34}
